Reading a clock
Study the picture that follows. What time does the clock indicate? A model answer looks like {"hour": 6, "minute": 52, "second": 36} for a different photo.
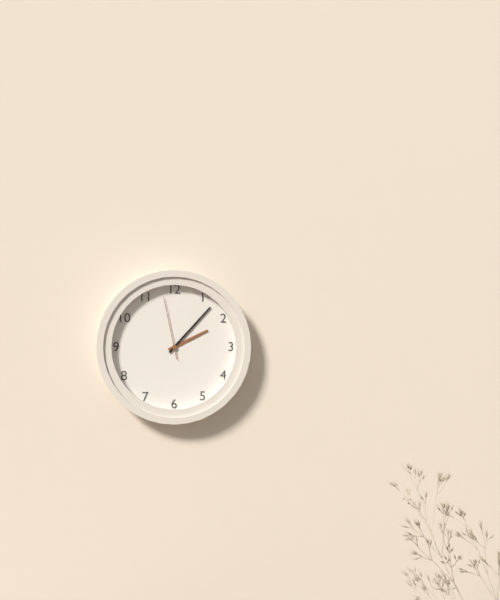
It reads {"hour": 2, "minute": 7, "second": 58}
